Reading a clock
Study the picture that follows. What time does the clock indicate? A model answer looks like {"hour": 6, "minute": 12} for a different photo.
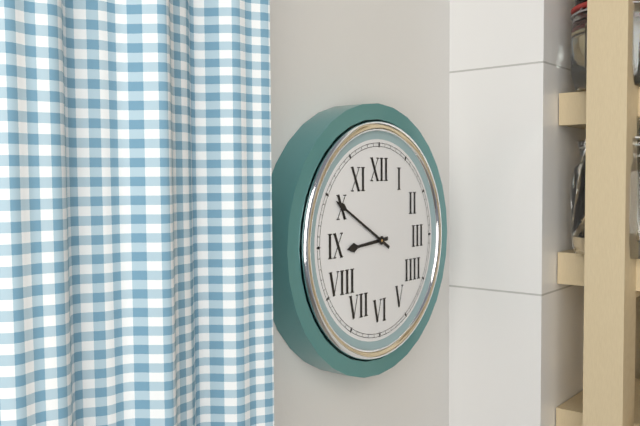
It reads {"hour": 8, "minute": 50}
